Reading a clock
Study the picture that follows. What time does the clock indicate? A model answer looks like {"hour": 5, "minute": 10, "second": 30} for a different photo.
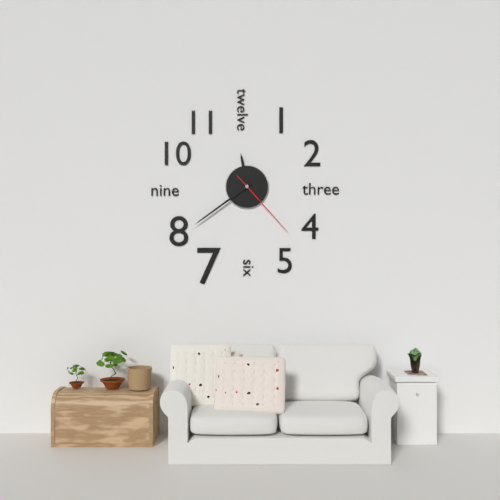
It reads {"hour": 11, "minute": 39, "second": 23}
